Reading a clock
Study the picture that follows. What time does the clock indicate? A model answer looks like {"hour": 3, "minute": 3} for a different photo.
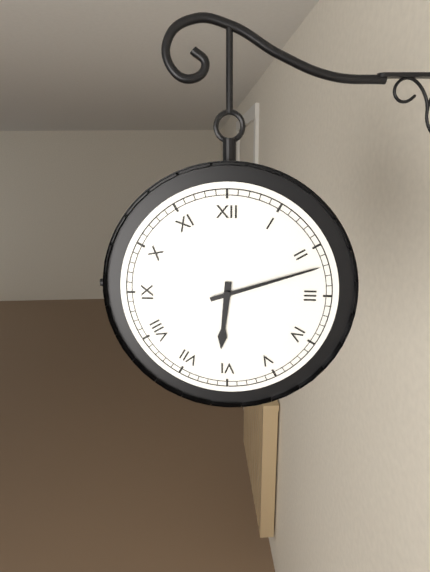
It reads {"hour": 6, "minute": 12}
